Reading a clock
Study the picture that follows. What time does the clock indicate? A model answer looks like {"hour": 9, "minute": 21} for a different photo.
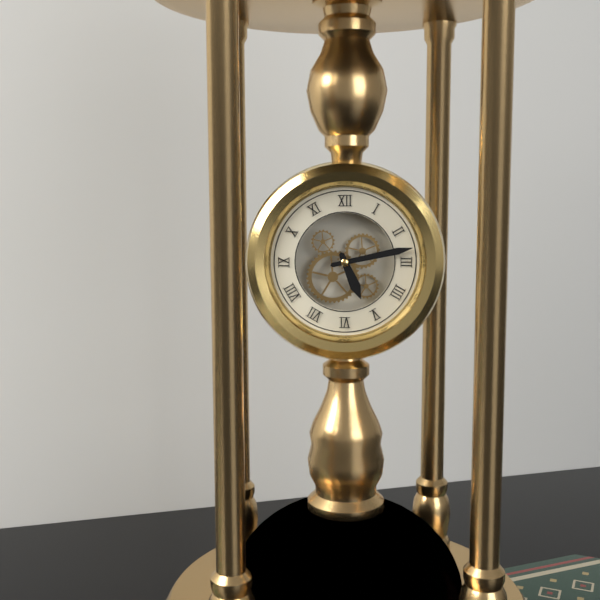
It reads {"hour": 5, "minute": 13}
